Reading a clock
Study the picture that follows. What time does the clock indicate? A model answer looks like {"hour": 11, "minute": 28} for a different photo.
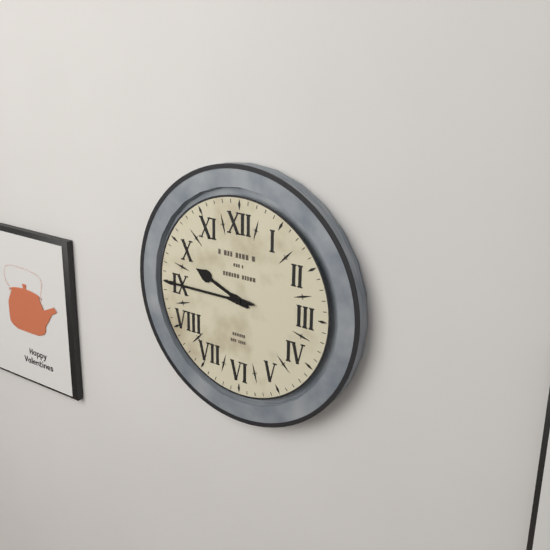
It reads {"hour": 9, "minute": 45}
